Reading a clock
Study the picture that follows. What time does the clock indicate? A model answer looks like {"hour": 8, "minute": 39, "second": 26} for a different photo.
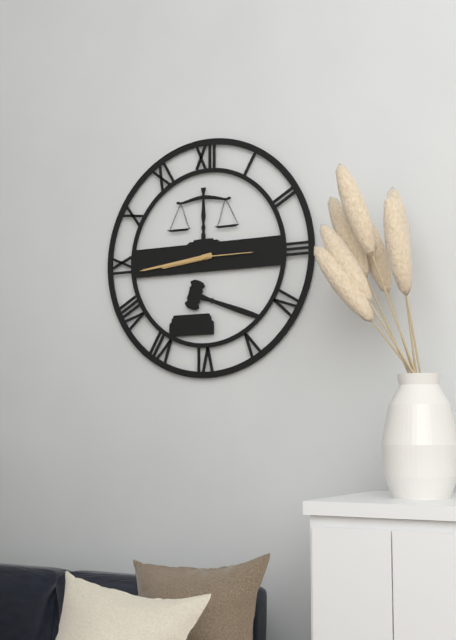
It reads {"hour": 8, "minute": 44, "second": 15}
